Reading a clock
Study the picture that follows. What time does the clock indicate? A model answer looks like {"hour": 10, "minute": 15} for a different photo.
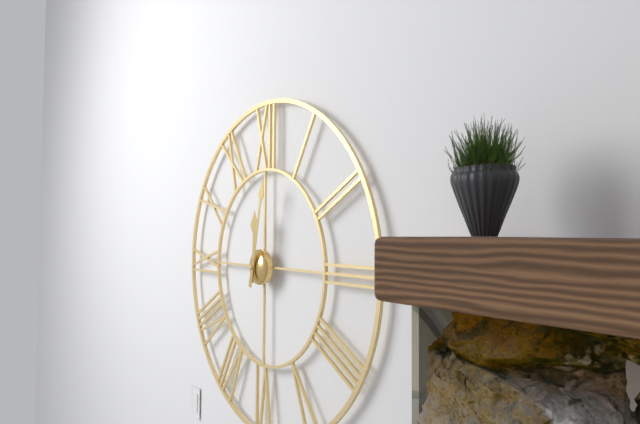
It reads {"hour": 12, "minute": 2}
